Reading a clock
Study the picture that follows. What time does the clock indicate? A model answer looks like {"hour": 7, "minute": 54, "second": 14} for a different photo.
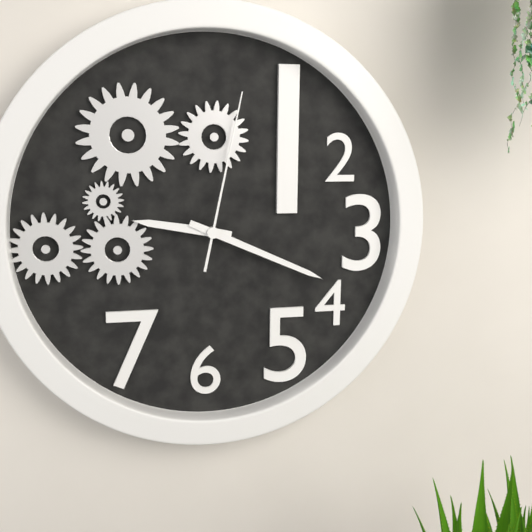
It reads {"hour": 9, "minute": 19, "second": 2}
